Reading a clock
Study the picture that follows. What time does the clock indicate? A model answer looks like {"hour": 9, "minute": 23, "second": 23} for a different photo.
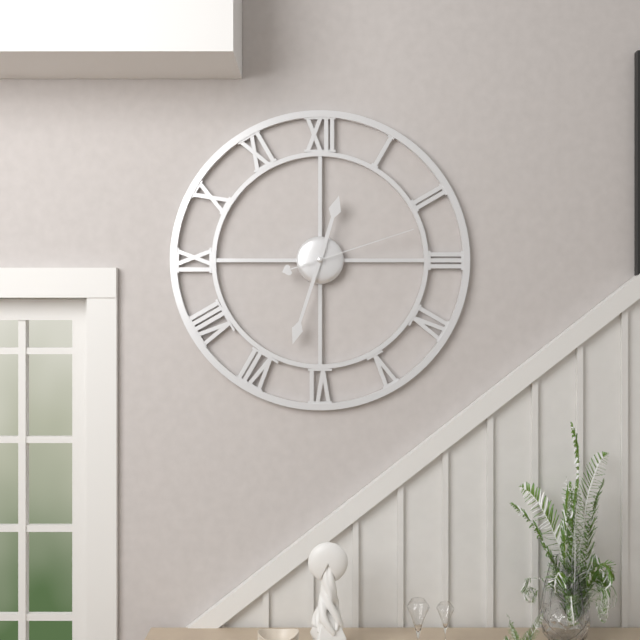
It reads {"hour": 12, "minute": 33, "second": 12}
